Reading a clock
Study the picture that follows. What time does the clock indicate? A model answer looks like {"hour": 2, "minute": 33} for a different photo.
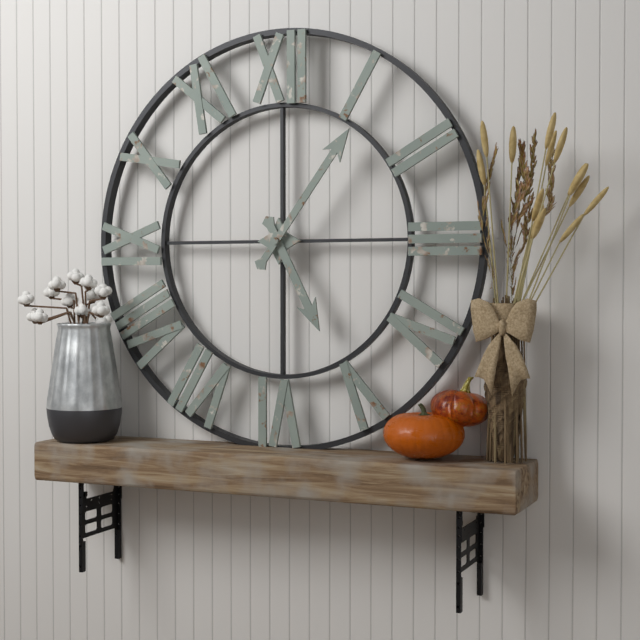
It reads {"hour": 5, "minute": 6}
